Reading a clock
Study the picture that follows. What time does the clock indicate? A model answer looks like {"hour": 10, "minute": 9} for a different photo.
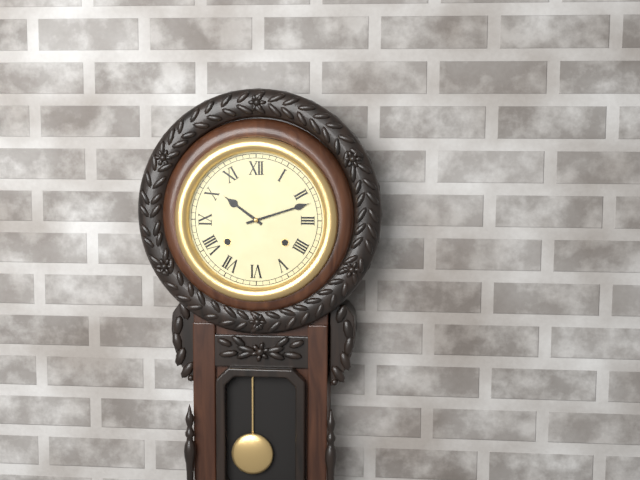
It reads {"hour": 10, "minute": 12}
